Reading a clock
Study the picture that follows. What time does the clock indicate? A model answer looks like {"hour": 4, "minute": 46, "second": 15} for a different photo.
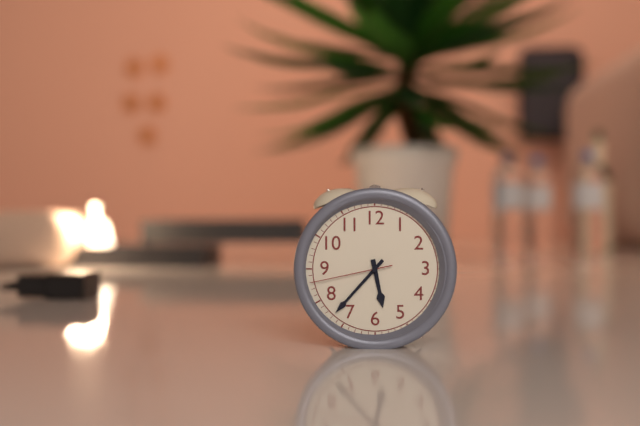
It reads {"hour": 5, "minute": 37, "second": 43}
